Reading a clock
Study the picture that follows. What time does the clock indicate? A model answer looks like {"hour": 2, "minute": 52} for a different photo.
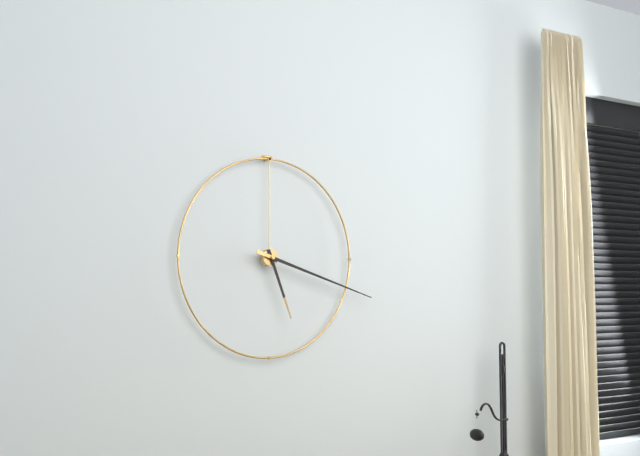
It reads {"hour": 5, "minute": 18}
